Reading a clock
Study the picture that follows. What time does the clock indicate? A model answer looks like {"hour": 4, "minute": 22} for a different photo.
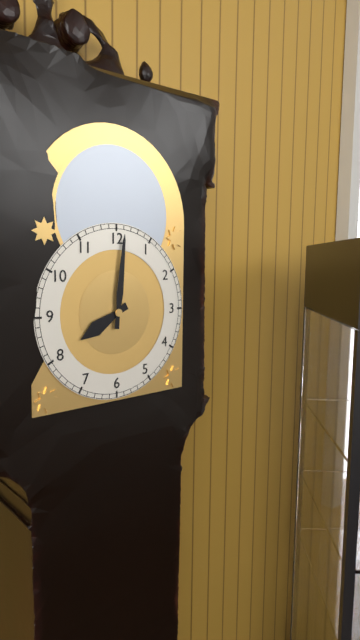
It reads {"hour": 8, "minute": 1}
